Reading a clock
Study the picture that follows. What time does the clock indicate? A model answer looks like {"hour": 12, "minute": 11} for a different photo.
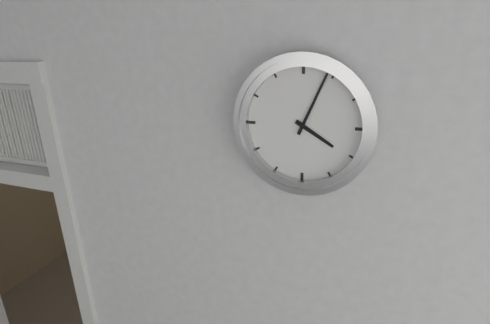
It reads {"hour": 4, "minute": 4}
